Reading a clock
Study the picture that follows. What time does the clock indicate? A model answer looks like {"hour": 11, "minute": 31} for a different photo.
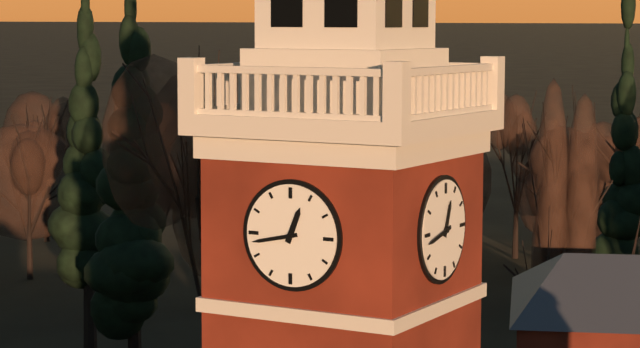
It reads {"hour": 12, "minute": 43}
